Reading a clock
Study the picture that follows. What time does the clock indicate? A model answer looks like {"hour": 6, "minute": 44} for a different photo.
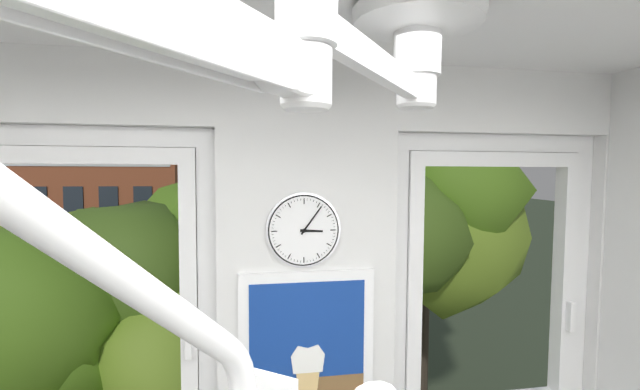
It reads {"hour": 3, "minute": 6}
